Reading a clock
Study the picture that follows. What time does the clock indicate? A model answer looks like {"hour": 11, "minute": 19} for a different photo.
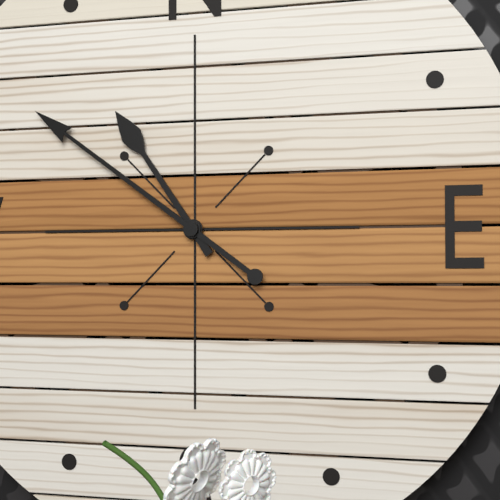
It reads {"hour": 10, "minute": 51}
